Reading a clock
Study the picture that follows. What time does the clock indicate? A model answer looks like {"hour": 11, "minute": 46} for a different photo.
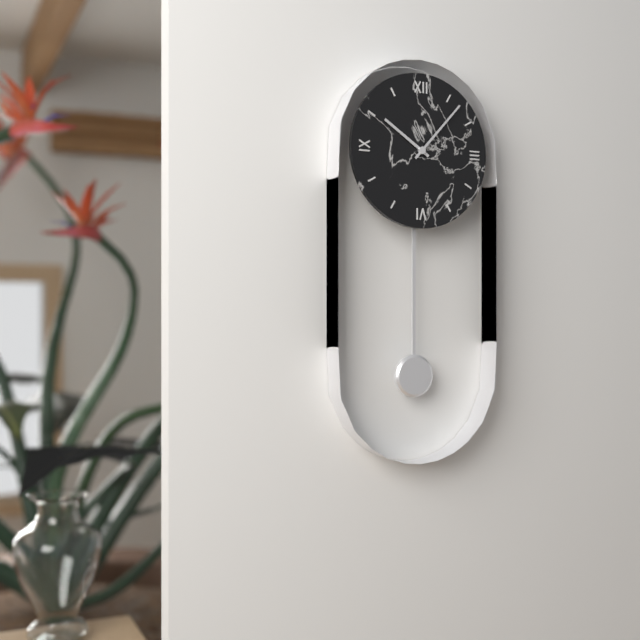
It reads {"hour": 10, "minute": 7}
